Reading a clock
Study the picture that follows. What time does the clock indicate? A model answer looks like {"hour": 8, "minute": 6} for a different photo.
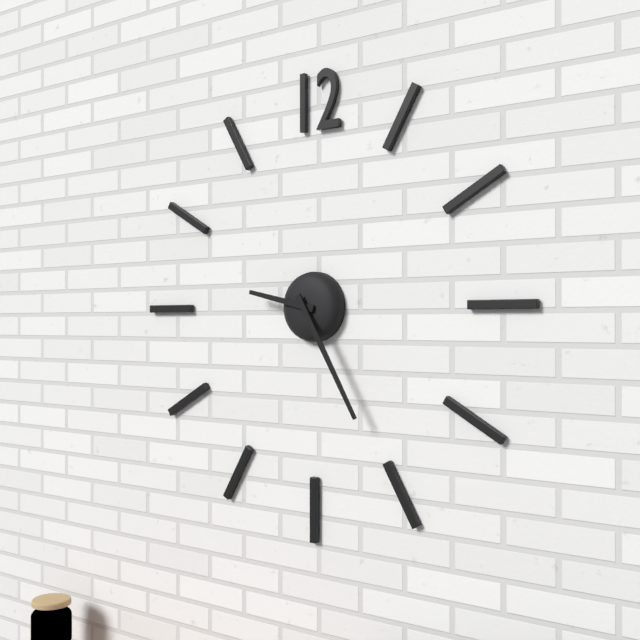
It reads {"hour": 9, "minute": 25}
